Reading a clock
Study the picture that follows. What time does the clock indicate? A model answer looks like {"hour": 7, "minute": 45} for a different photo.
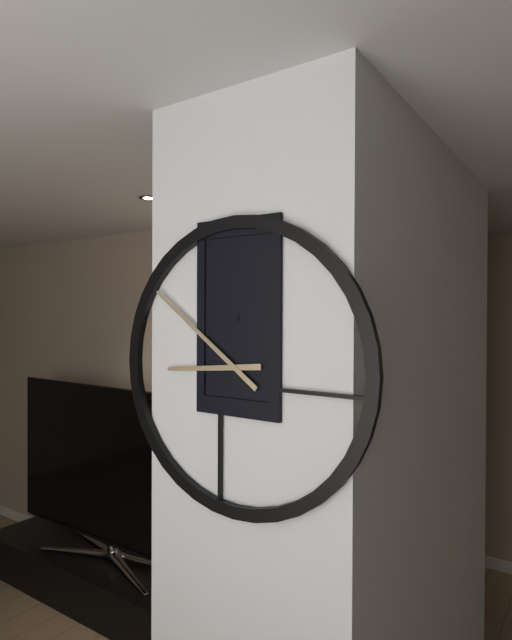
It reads {"hour": 8, "minute": 51}
